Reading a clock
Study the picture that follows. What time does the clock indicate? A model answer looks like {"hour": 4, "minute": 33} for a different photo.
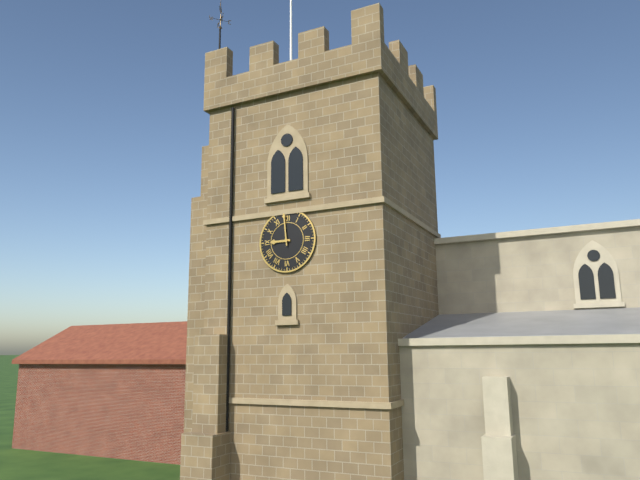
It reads {"hour": 8, "minute": 59}
